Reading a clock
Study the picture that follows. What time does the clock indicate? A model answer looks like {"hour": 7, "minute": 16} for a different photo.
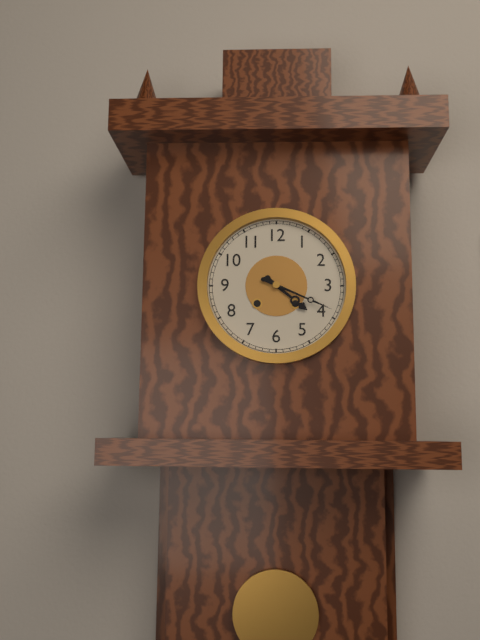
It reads {"hour": 4, "minute": 19}
